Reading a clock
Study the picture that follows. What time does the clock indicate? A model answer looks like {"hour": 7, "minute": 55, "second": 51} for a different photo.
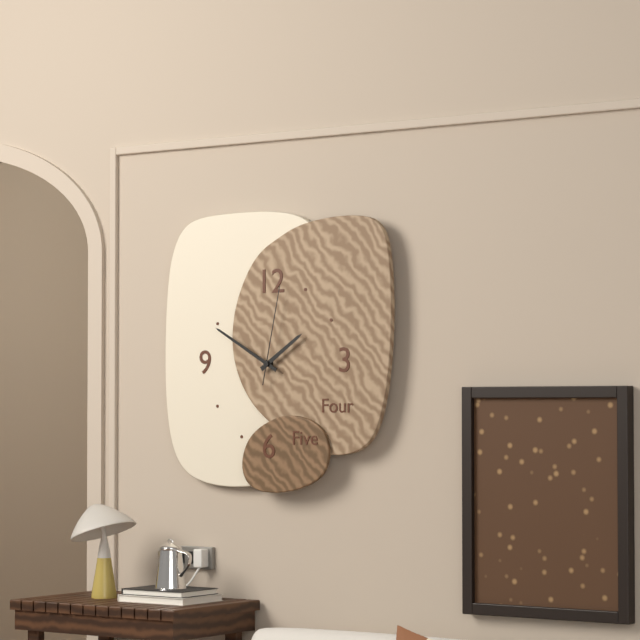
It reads {"hour": 1, "minute": 50, "second": 2}
